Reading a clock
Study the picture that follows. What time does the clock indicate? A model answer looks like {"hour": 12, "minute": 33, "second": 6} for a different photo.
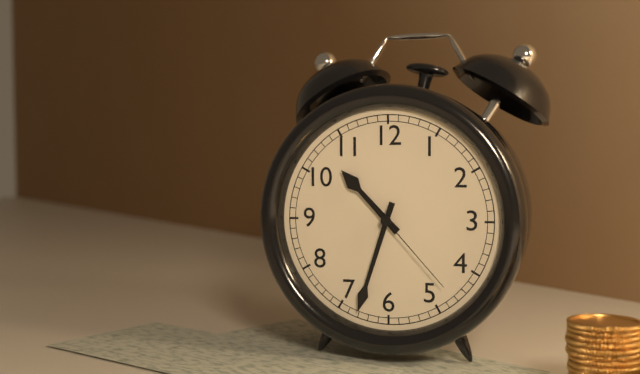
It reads {"hour": 10, "minute": 33, "second": 23}
